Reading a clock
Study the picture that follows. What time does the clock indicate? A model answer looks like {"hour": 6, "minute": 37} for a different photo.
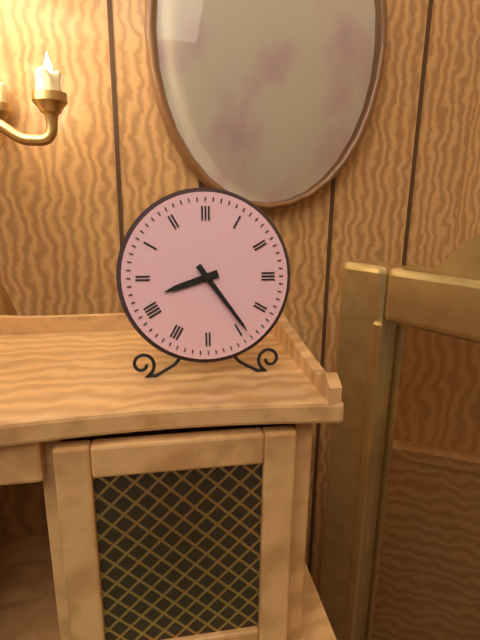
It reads {"hour": 8, "minute": 24}
